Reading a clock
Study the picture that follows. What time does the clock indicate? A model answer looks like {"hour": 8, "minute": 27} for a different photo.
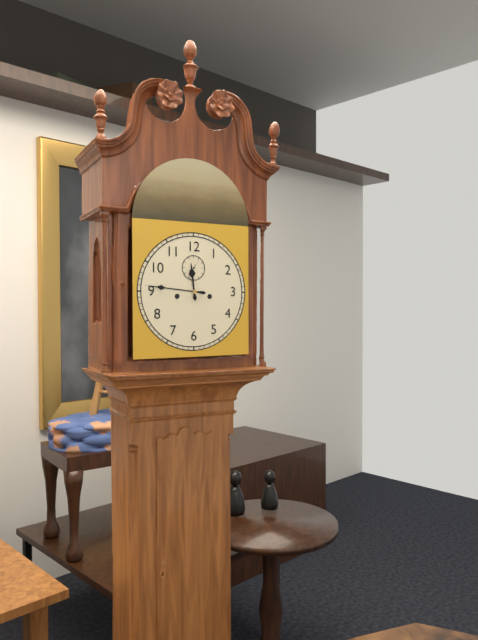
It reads {"hour": 11, "minute": 46}
